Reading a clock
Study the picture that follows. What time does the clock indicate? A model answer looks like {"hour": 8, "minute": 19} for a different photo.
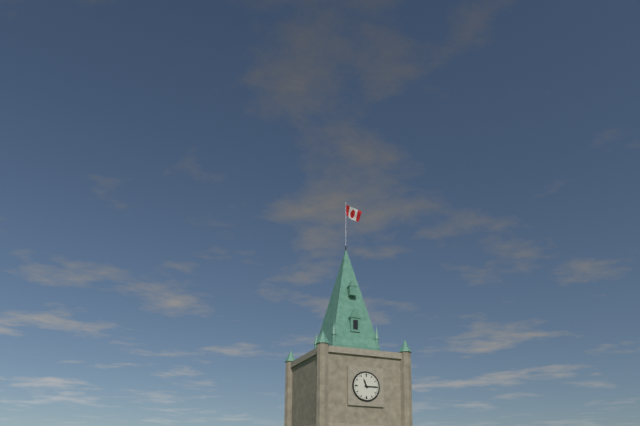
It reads {"hour": 11, "minute": 15}
